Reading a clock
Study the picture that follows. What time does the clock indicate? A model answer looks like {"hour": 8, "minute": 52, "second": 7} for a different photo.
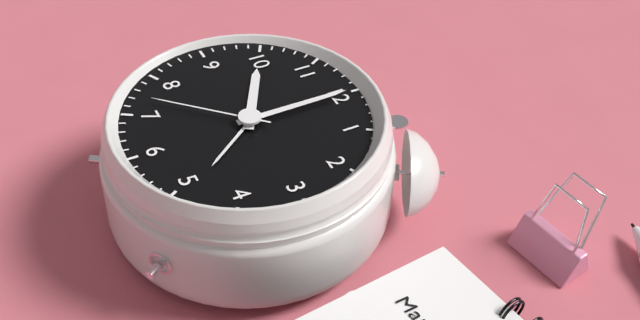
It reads {"hour": 10, "minute": 0, "second": 37}
